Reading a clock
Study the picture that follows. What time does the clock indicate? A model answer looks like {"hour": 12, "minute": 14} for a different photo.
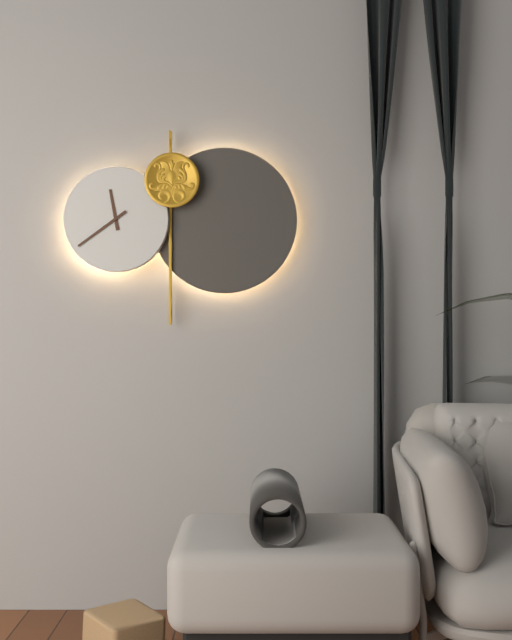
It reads {"hour": 11, "minute": 39}
